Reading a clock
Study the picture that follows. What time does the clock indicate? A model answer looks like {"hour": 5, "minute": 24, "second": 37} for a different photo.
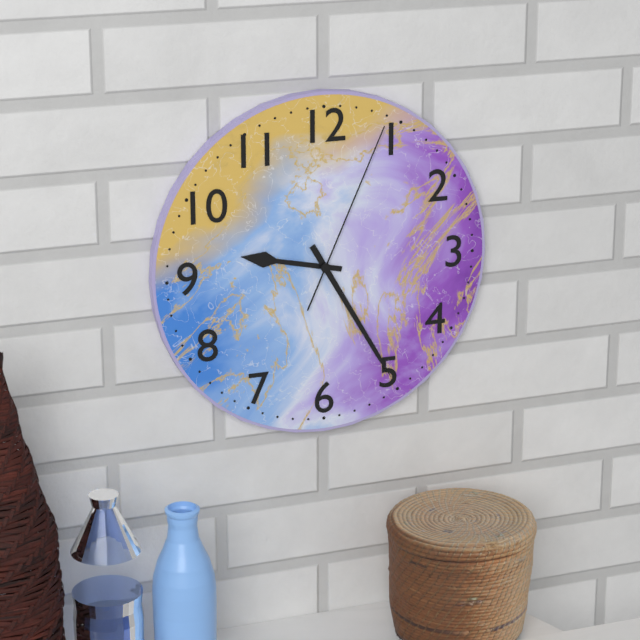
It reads {"hour": 9, "minute": 25, "second": 4}
